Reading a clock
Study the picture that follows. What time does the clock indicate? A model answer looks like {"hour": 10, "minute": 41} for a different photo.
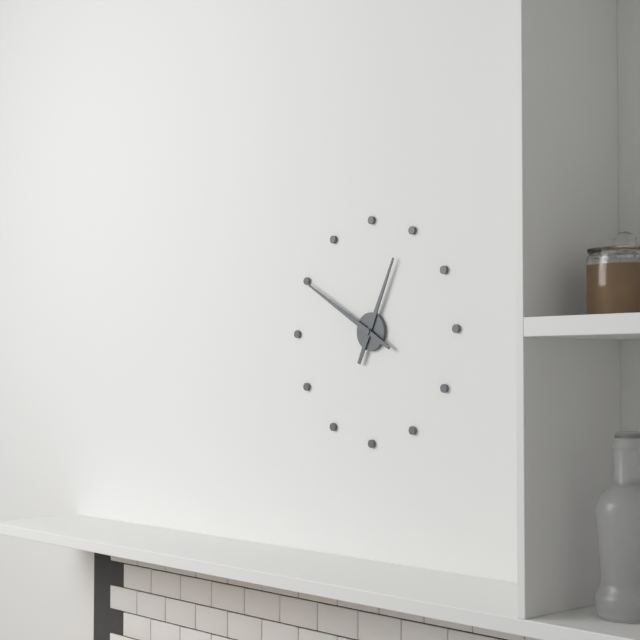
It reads {"hour": 12, "minute": 50}
